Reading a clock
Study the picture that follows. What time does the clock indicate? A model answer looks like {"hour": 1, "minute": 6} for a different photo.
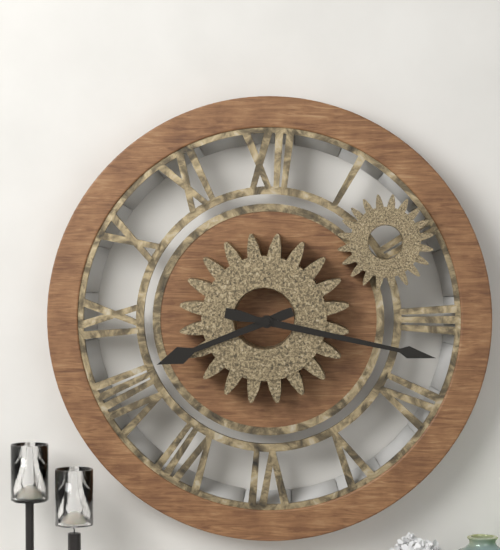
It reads {"hour": 8, "minute": 17}
